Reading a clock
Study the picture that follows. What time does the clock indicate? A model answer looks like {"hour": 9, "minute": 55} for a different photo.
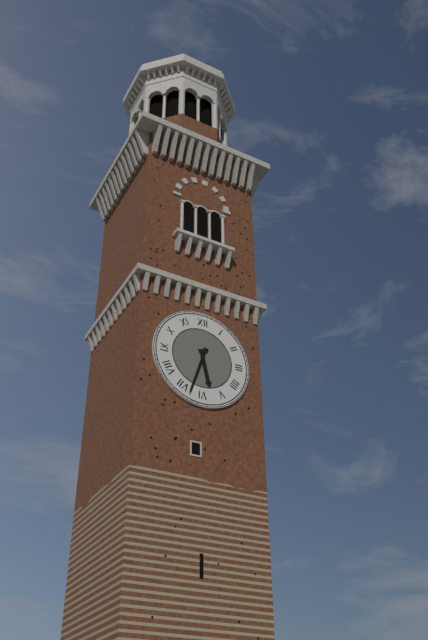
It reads {"hour": 5, "minute": 33}
